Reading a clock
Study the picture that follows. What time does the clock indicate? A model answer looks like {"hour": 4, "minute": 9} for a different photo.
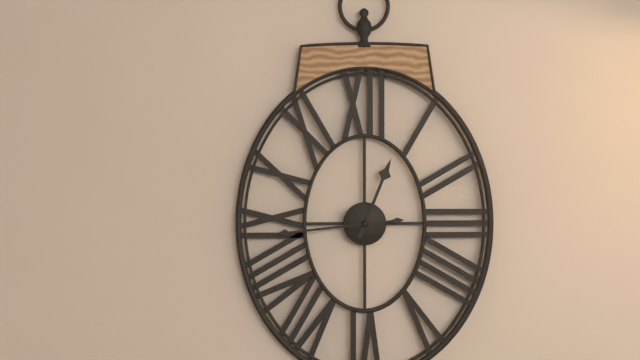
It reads {"hour": 12, "minute": 44}
